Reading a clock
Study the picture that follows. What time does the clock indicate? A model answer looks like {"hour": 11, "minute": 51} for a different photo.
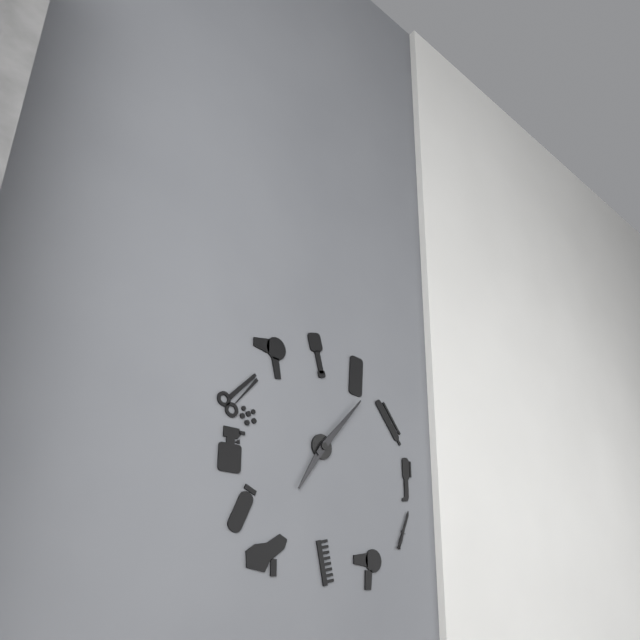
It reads {"hour": 7, "minute": 7}
